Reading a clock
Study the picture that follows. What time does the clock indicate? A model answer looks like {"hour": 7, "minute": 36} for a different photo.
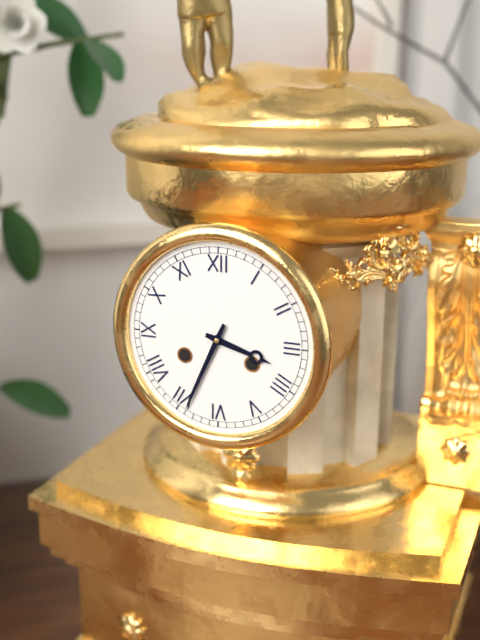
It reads {"hour": 3, "minute": 34}
